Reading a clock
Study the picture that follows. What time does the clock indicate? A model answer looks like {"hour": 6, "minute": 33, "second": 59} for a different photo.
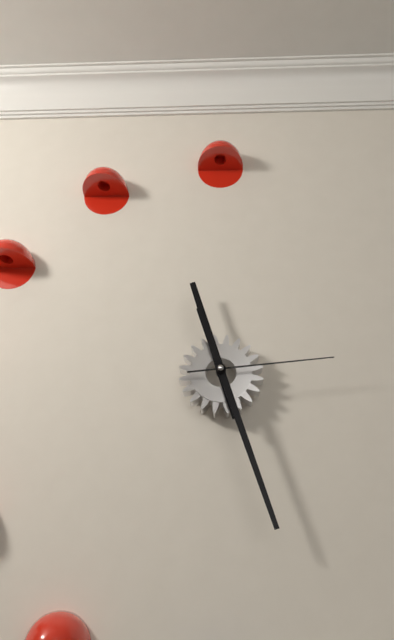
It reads {"hour": 11, "minute": 27, "second": 14}
